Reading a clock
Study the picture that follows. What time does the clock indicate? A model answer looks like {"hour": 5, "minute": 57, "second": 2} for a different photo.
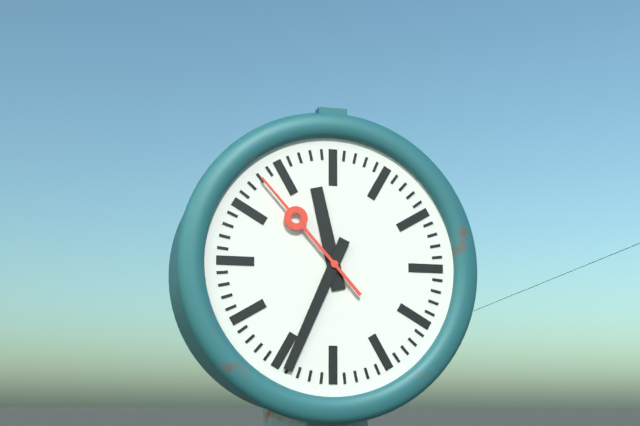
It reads {"hour": 11, "minute": 34, "second": 53}
